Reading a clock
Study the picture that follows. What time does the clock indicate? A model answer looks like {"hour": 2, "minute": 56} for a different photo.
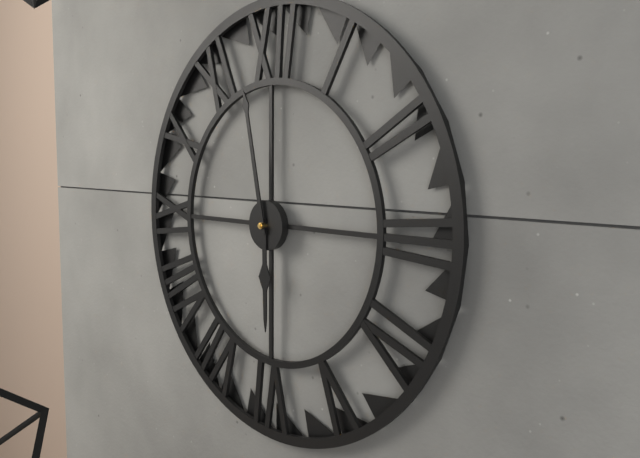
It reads {"hour": 5, "minute": 58}
